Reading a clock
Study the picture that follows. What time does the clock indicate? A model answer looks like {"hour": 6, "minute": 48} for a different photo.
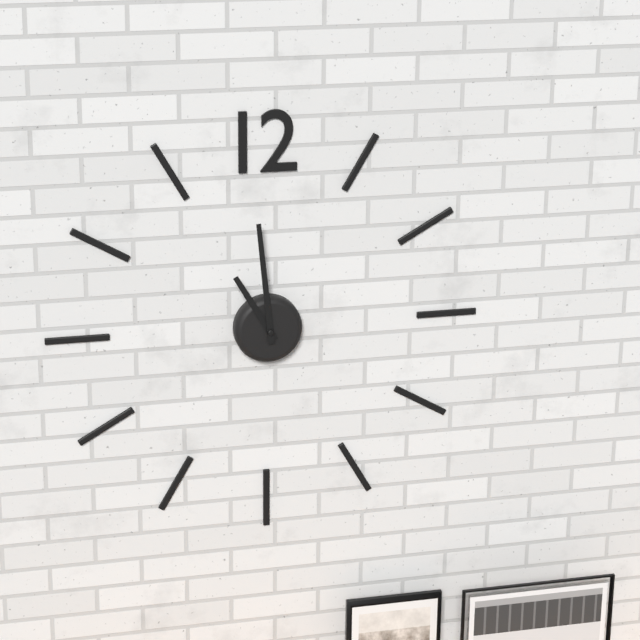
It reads {"hour": 10, "minute": 59}
